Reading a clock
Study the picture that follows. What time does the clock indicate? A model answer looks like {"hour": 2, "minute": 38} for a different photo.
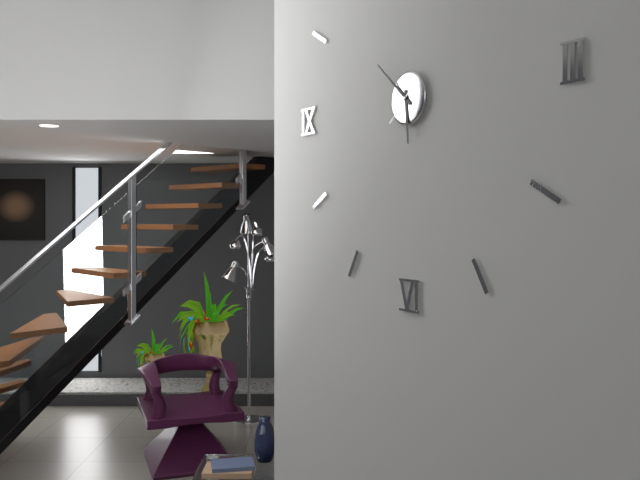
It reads {"hour": 5, "minute": 52}
